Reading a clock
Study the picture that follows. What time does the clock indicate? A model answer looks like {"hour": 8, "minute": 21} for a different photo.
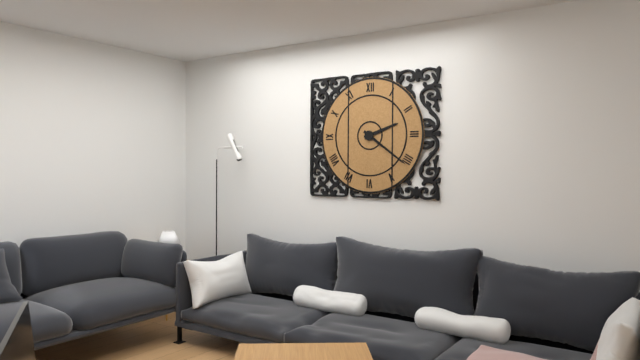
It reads {"hour": 2, "minute": 21}
